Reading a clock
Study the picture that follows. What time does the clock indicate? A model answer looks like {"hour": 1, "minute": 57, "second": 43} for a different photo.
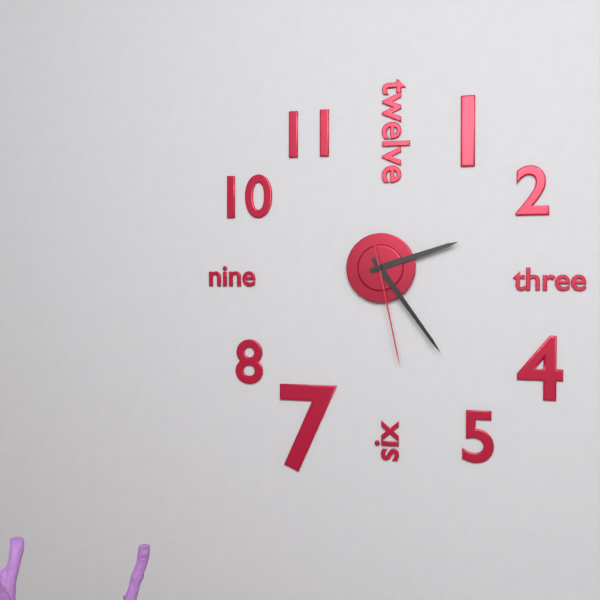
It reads {"hour": 2, "minute": 24, "second": 28}
